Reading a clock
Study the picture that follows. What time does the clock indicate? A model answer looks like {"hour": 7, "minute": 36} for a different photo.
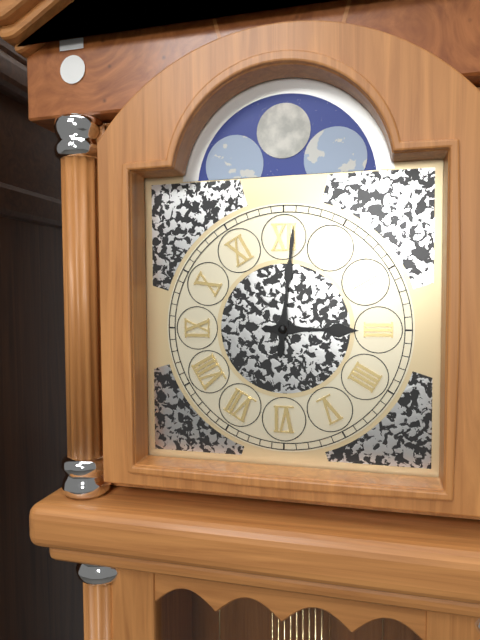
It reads {"hour": 3, "minute": 1}
